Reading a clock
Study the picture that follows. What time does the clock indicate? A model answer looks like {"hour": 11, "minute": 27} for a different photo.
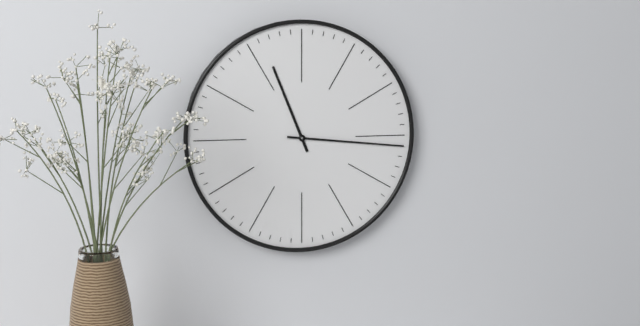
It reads {"hour": 11, "minute": 16}
